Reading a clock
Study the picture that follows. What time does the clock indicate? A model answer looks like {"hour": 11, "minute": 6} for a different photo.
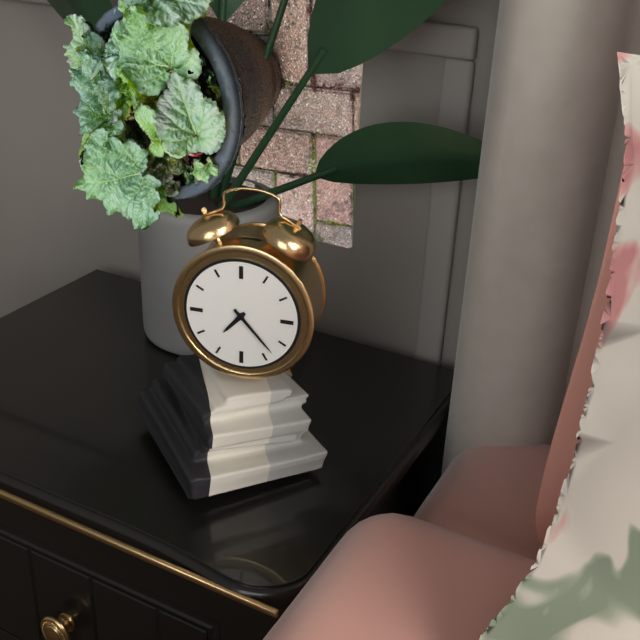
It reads {"hour": 7, "minute": 23}
